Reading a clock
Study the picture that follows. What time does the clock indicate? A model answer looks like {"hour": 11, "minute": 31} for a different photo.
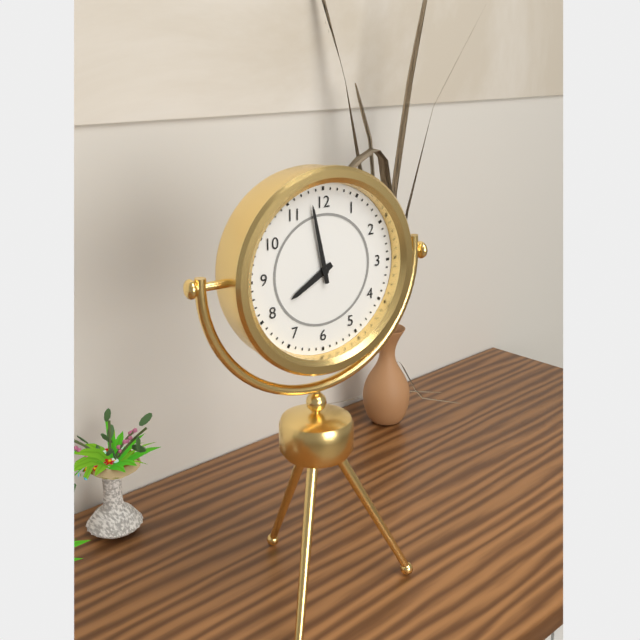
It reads {"hour": 7, "minute": 58}
